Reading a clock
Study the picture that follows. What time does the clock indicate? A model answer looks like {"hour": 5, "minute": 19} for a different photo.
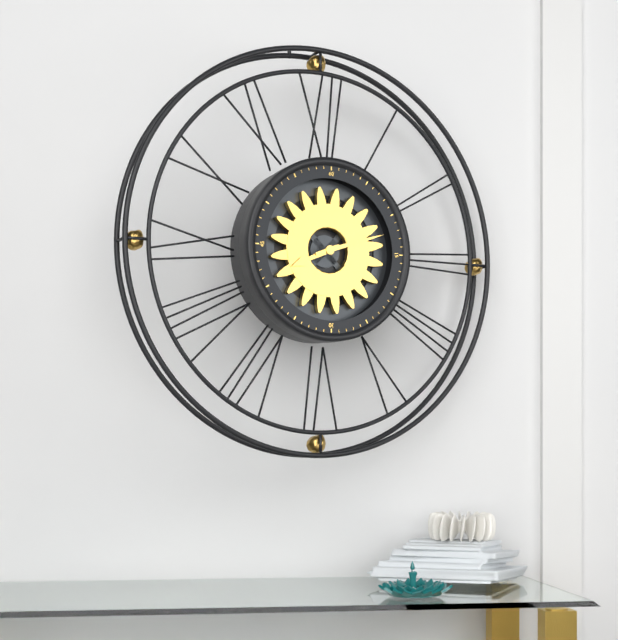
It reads {"hour": 8, "minute": 12}
